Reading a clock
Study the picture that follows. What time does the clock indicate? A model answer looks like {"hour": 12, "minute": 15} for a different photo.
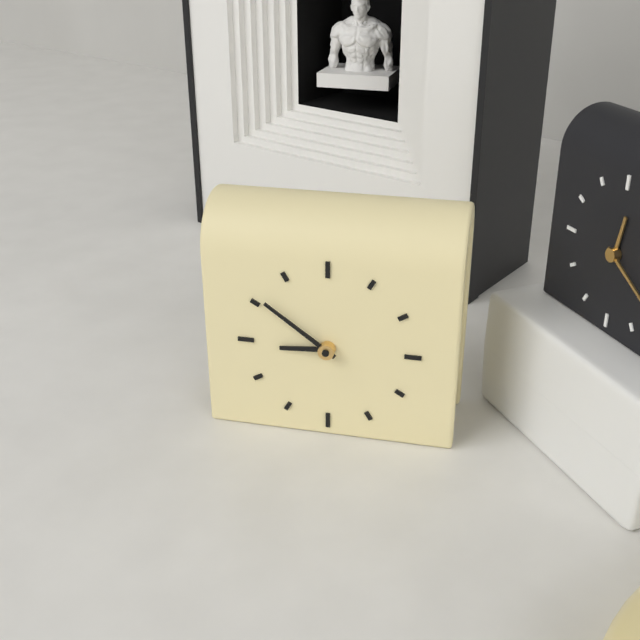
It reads {"hour": 8, "minute": 51}
